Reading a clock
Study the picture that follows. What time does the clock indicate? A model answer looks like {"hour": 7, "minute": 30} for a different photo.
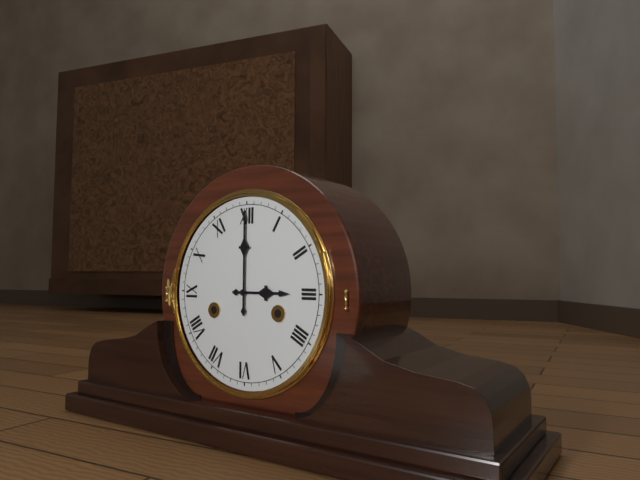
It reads {"hour": 3, "minute": 0}
